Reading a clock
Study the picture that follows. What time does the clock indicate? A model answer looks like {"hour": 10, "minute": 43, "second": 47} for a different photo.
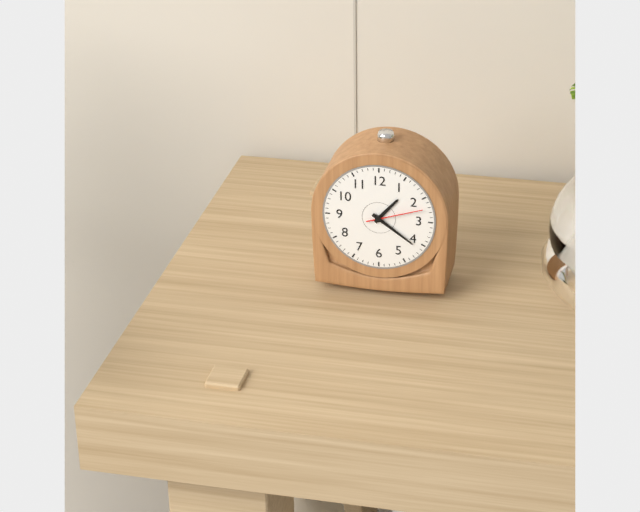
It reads {"hour": 1, "minute": 21, "second": 12}
